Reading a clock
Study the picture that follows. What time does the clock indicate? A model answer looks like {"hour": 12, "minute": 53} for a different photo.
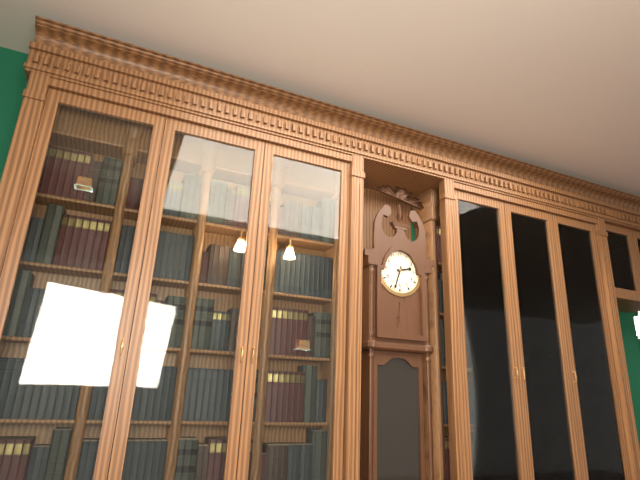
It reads {"hour": 2, "minute": 33}
